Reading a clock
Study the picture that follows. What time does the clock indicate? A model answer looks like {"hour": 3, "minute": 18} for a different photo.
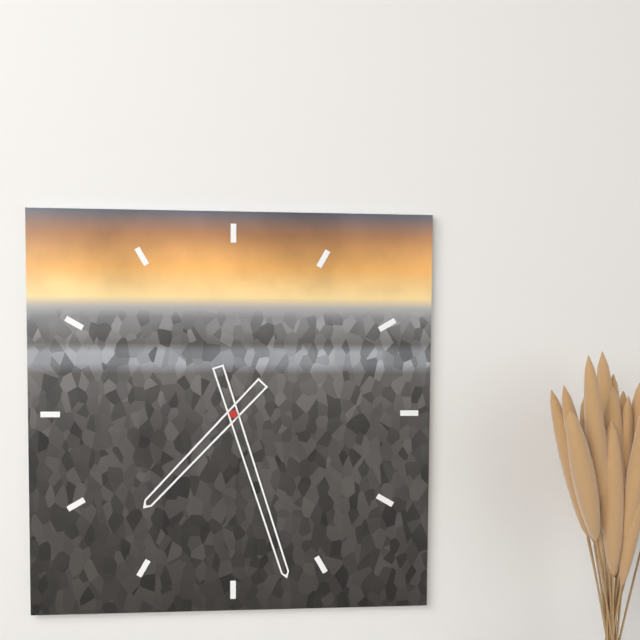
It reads {"hour": 7, "minute": 27}
